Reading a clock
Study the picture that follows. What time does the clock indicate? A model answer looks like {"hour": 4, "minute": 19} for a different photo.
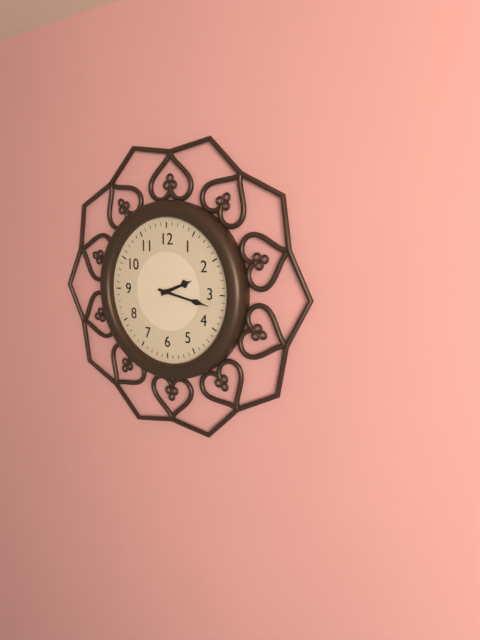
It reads {"hour": 2, "minute": 17}
